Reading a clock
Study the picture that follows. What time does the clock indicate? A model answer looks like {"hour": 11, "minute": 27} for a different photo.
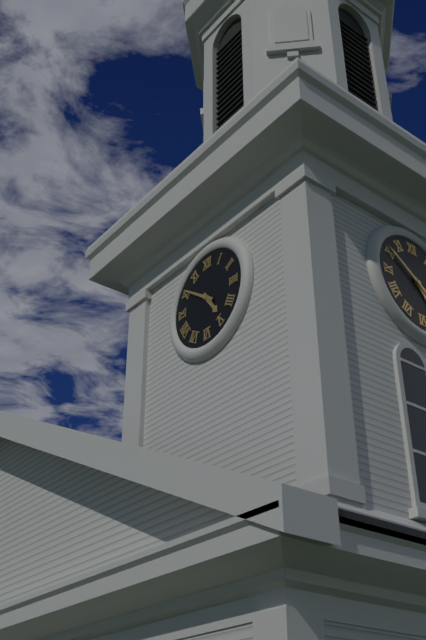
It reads {"hour": 4, "minute": 51}
